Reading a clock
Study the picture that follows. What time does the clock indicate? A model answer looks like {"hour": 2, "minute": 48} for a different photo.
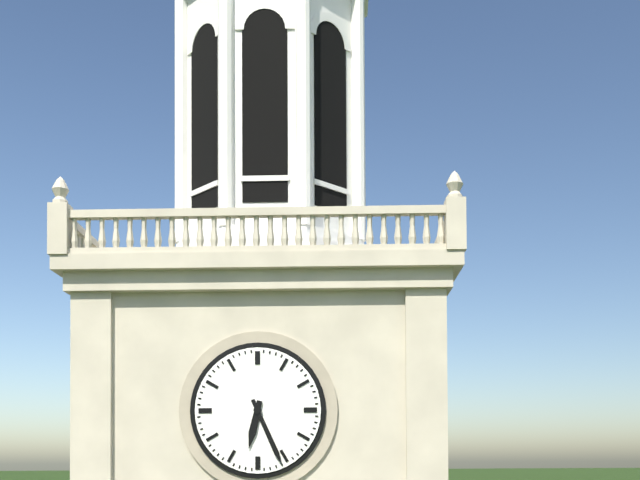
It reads {"hour": 6, "minute": 26}
